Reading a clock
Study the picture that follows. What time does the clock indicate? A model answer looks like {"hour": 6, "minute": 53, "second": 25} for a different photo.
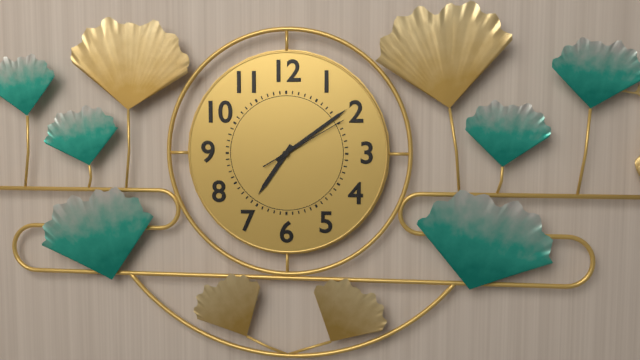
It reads {"hour": 7, "minute": 9, "second": 10}
